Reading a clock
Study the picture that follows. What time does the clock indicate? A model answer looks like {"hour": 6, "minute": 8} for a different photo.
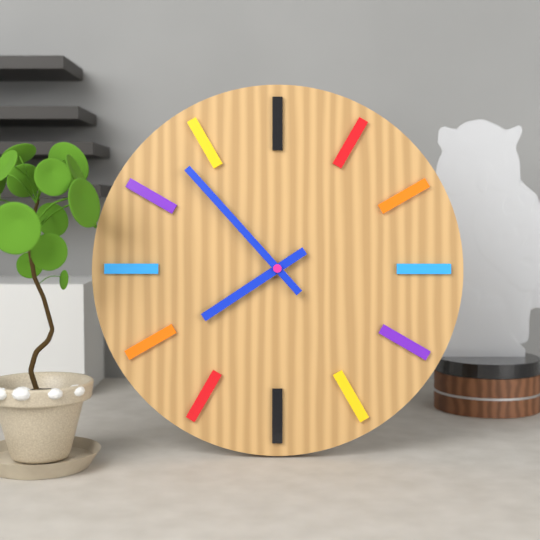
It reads {"hour": 7, "minute": 53}
